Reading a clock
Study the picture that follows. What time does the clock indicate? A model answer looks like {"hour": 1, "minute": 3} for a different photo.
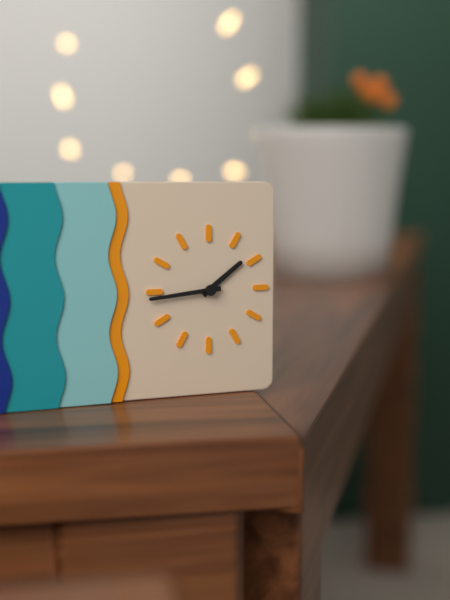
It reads {"hour": 1, "minute": 44}
